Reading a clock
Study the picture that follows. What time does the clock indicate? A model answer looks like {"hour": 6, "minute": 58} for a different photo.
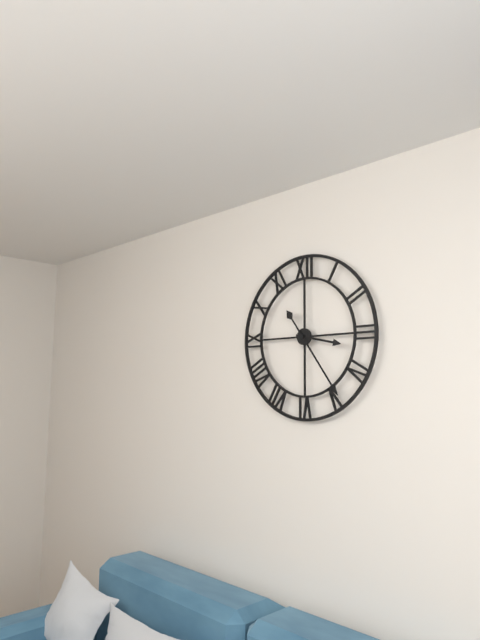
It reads {"hour": 3, "minute": 24}
